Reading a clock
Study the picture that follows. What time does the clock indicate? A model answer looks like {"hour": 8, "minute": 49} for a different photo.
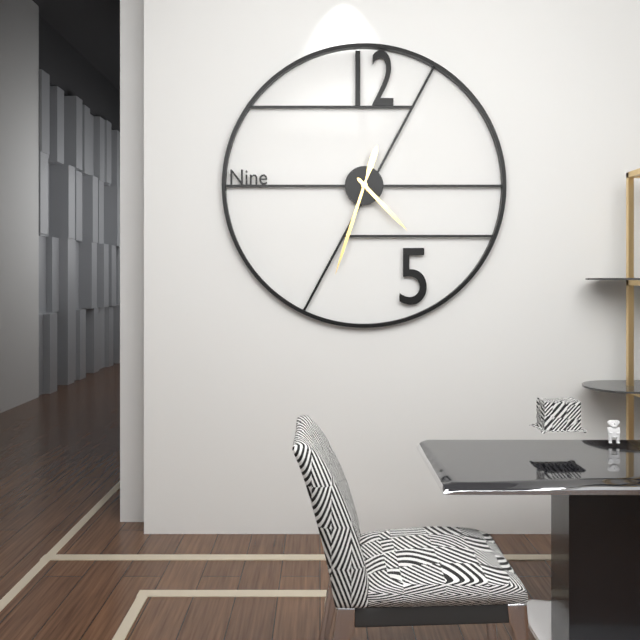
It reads {"hour": 4, "minute": 33}
